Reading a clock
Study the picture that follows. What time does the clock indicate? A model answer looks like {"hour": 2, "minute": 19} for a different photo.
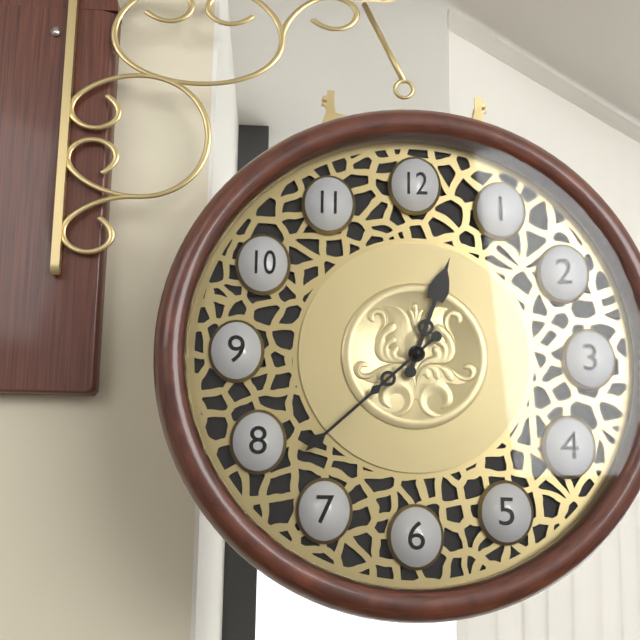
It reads {"hour": 12, "minute": 38}
